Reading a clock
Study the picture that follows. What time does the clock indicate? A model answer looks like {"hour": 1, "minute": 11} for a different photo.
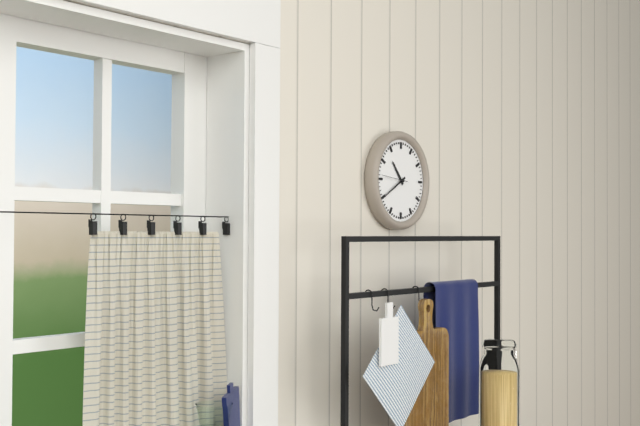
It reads {"hour": 10, "minute": 40}
